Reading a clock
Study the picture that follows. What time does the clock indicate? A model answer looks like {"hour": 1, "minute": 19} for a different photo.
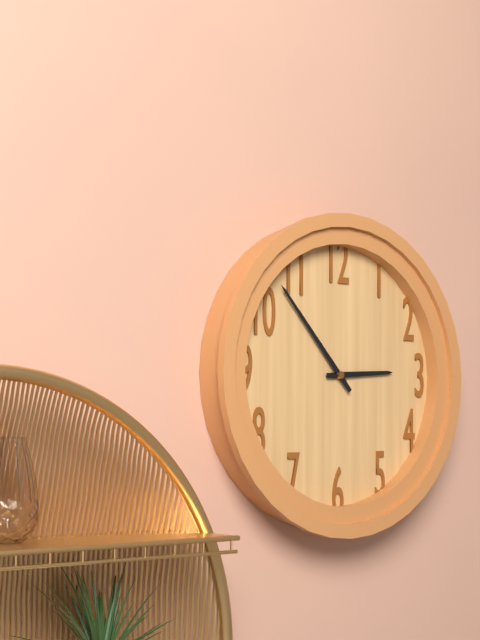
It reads {"hour": 2, "minute": 53}
